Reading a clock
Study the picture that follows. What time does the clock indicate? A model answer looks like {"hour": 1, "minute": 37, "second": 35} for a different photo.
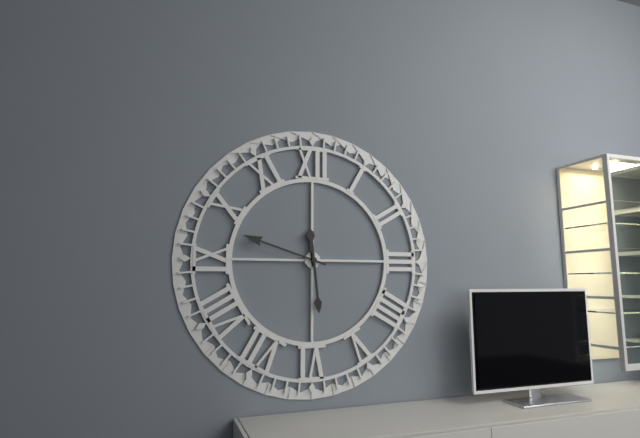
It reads {"hour": 11, "minute": 48, "second": 29}
